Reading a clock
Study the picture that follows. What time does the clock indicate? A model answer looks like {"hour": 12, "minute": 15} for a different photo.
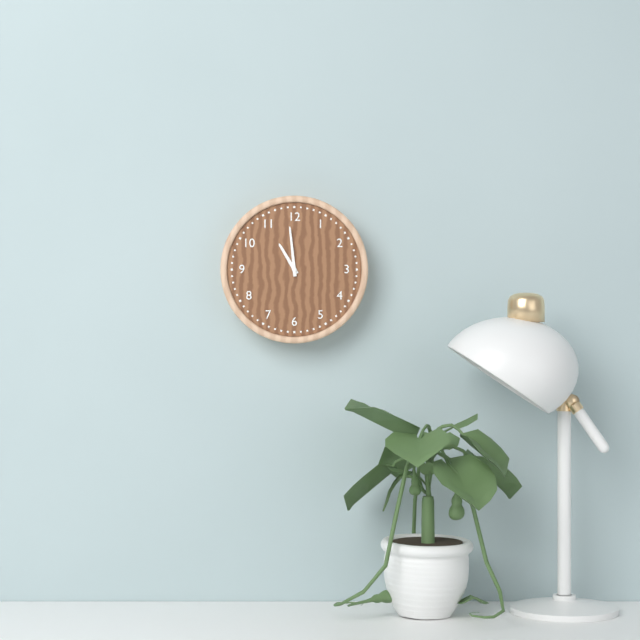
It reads {"hour": 10, "minute": 59}
